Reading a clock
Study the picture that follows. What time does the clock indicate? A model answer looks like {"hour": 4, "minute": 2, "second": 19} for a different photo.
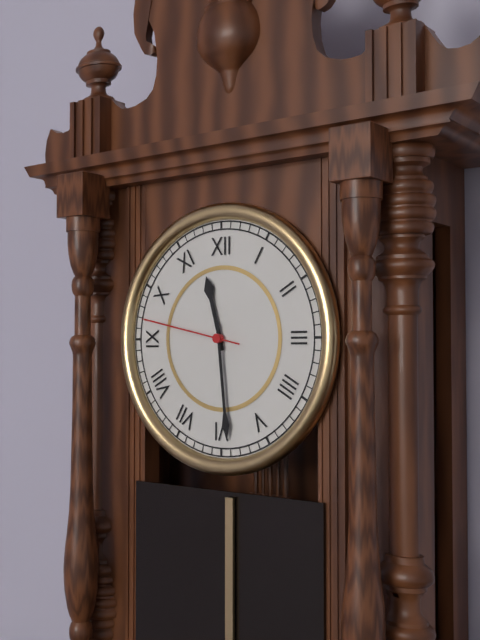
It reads {"hour": 11, "minute": 29, "second": 47}
